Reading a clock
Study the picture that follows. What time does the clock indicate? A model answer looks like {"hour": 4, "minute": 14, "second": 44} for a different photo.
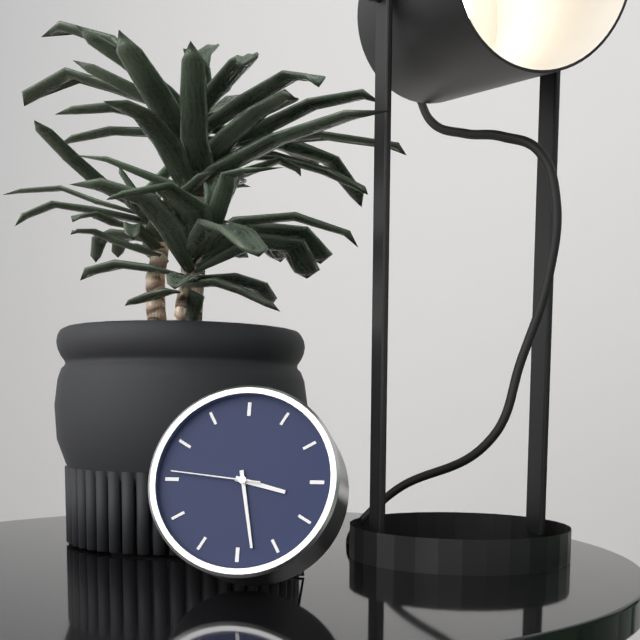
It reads {"hour": 3, "minute": 28, "second": 46}
